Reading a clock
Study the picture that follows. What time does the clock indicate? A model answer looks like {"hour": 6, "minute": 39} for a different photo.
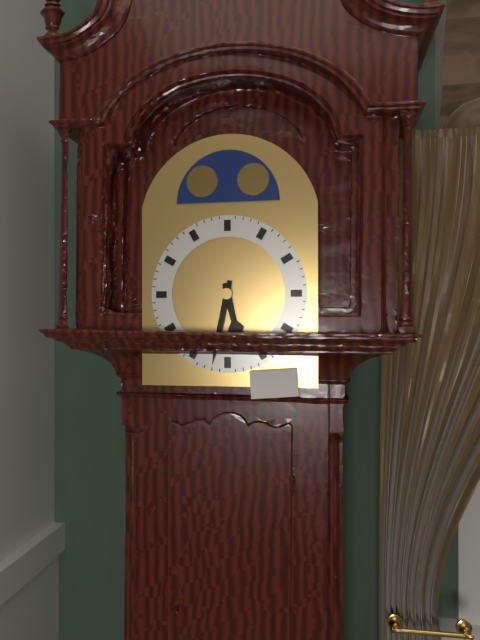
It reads {"hour": 5, "minute": 32}
